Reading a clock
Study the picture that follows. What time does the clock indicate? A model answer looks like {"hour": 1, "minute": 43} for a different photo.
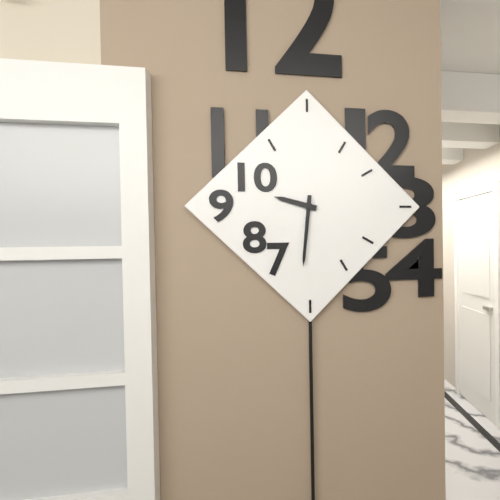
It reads {"hour": 9, "minute": 31}
